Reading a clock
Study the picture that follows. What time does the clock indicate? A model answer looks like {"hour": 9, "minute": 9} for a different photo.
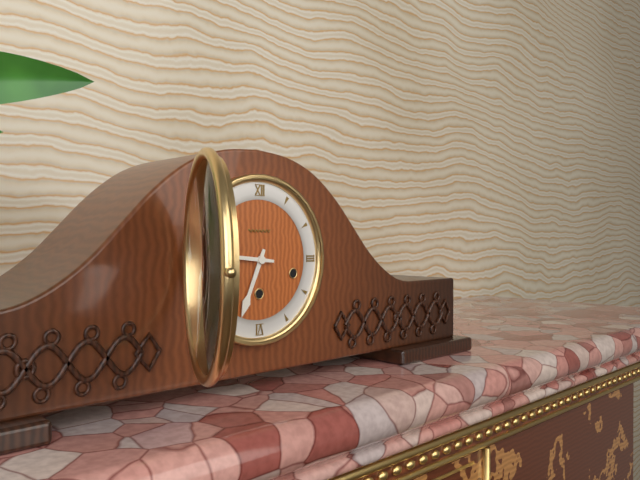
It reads {"hour": 6, "minute": 46}
